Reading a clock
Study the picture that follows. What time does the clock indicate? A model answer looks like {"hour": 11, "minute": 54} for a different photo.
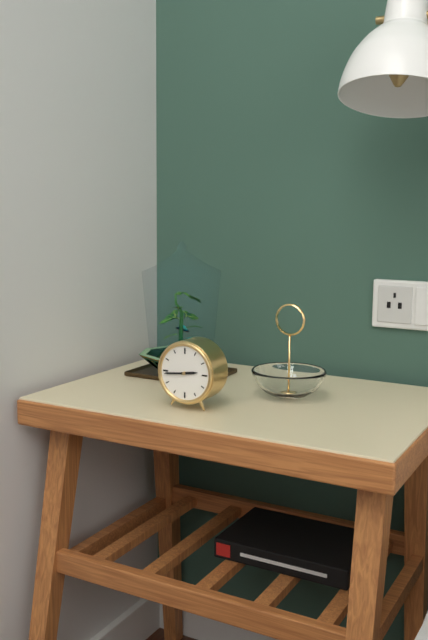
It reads {"hour": 2, "minute": 44}
